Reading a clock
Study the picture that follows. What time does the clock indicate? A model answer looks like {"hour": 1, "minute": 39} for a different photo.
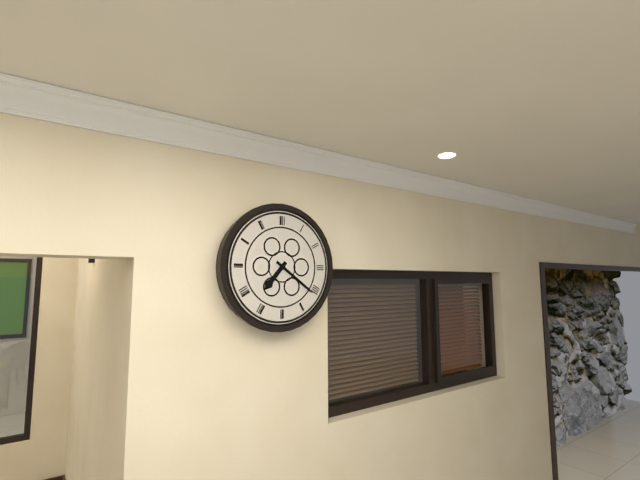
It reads {"hour": 7, "minute": 21}
